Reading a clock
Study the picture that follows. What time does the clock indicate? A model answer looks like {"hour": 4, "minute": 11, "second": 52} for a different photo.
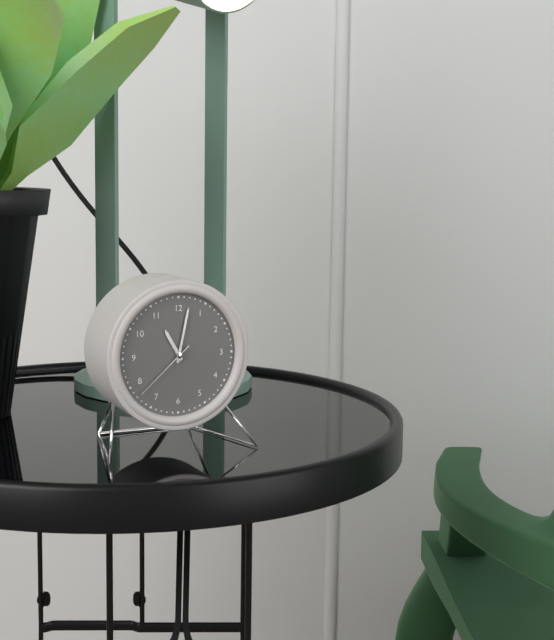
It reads {"hour": 11, "minute": 2, "second": 38}
